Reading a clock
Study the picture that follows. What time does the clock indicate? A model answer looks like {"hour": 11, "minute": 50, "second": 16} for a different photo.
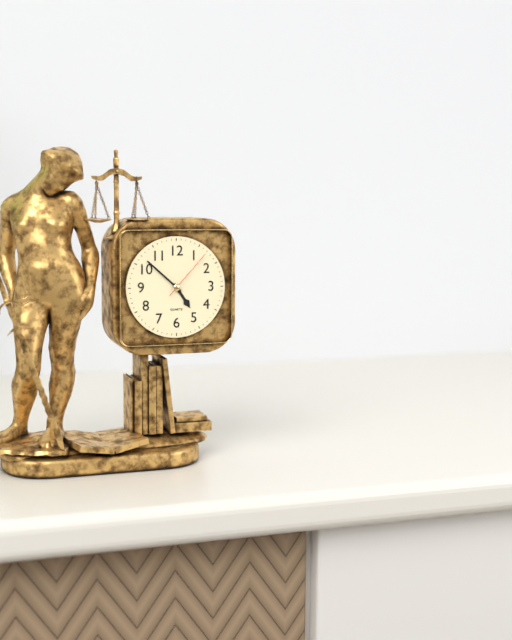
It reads {"hour": 4, "minute": 52, "second": 7}
